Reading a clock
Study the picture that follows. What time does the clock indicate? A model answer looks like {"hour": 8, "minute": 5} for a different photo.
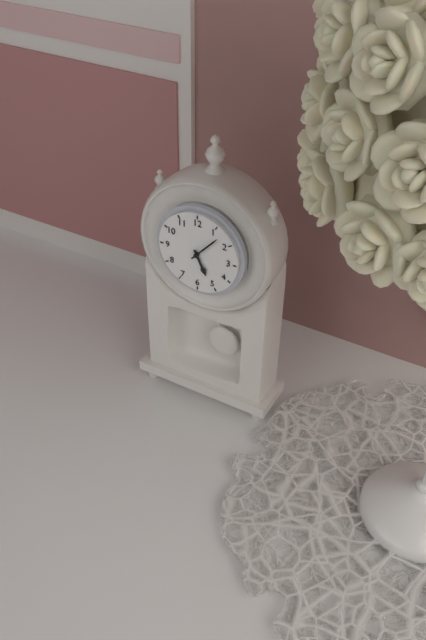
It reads {"hour": 5, "minute": 7}
